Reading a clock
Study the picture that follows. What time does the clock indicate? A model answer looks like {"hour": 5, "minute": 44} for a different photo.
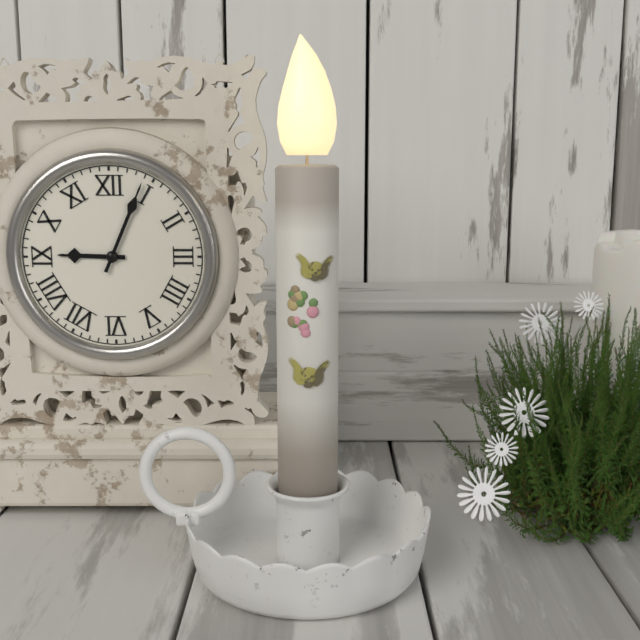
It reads {"hour": 9, "minute": 4}
